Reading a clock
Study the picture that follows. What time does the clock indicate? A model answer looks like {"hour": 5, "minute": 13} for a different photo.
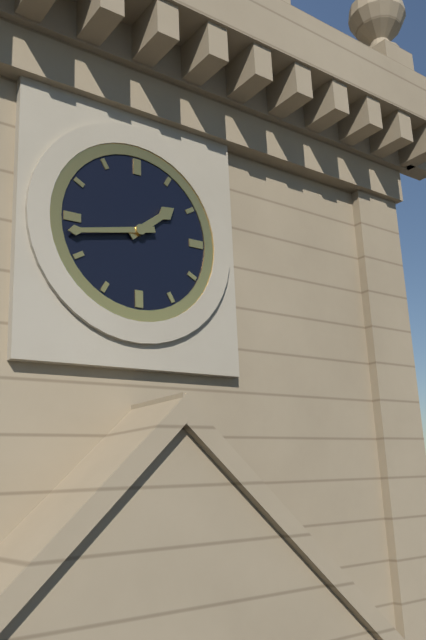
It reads {"hour": 1, "minute": 43}
